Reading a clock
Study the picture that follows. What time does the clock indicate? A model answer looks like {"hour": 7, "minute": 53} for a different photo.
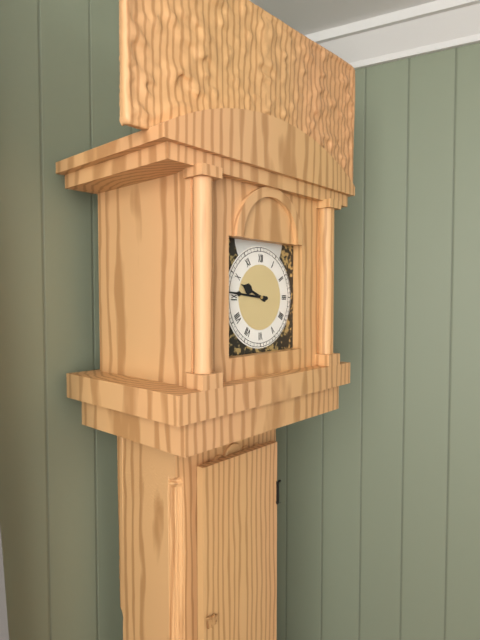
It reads {"hour": 9, "minute": 46}
